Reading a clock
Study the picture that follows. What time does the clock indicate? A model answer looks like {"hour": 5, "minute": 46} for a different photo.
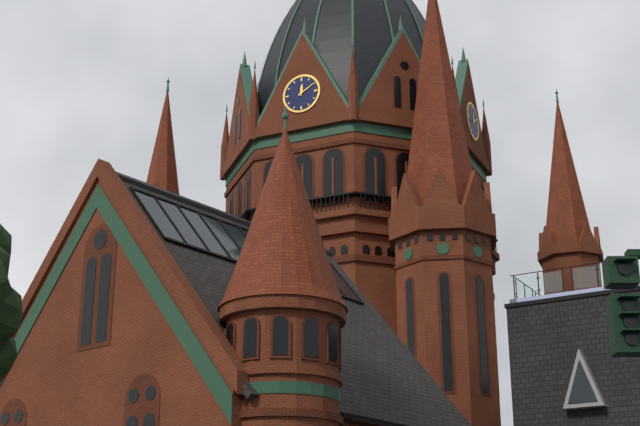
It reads {"hour": 12, "minute": 10}
